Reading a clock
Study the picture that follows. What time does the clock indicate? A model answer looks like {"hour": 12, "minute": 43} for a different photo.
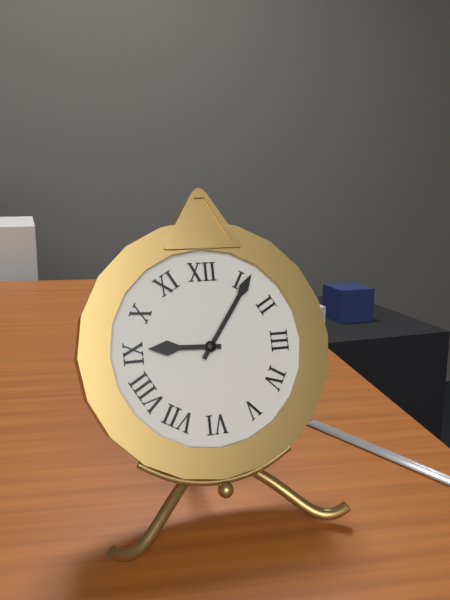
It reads {"hour": 9, "minute": 6}
